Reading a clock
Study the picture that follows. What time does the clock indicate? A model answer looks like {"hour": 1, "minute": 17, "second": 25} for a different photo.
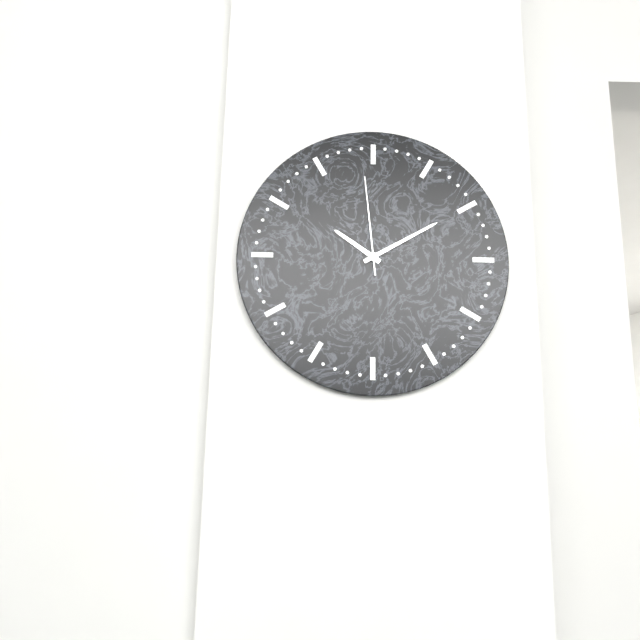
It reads {"hour": 10, "minute": 10, "second": 59}
